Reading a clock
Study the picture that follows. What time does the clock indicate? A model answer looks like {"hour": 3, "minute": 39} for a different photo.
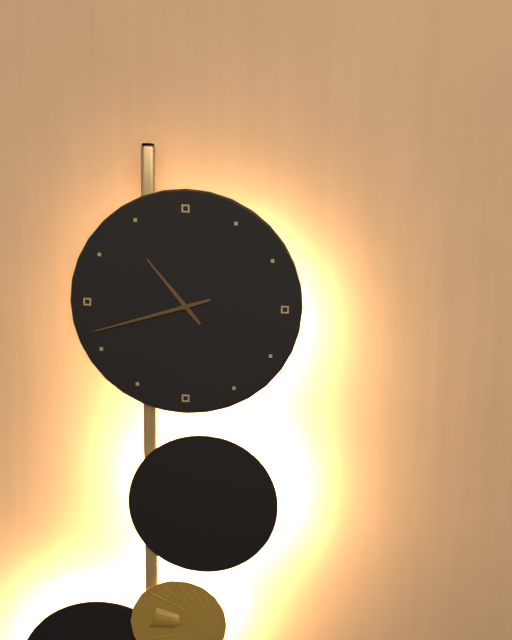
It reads {"hour": 10, "minute": 42}
